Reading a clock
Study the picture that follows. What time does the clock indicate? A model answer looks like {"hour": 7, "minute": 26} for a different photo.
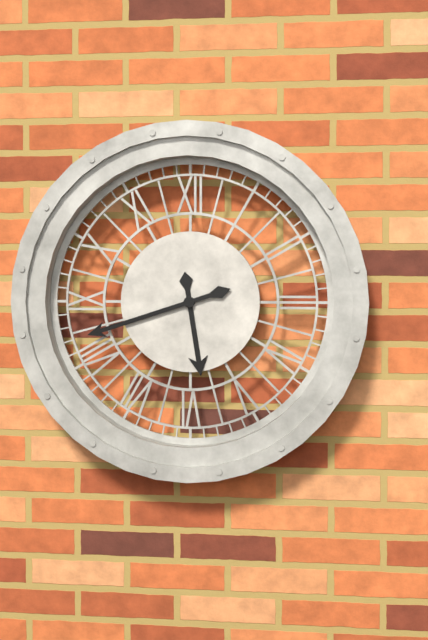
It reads {"hour": 5, "minute": 42}
